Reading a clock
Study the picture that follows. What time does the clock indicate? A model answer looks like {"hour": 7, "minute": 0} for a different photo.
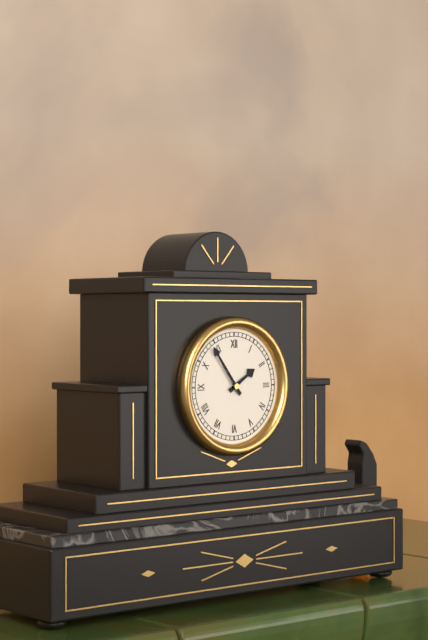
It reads {"hour": 1, "minute": 54}
